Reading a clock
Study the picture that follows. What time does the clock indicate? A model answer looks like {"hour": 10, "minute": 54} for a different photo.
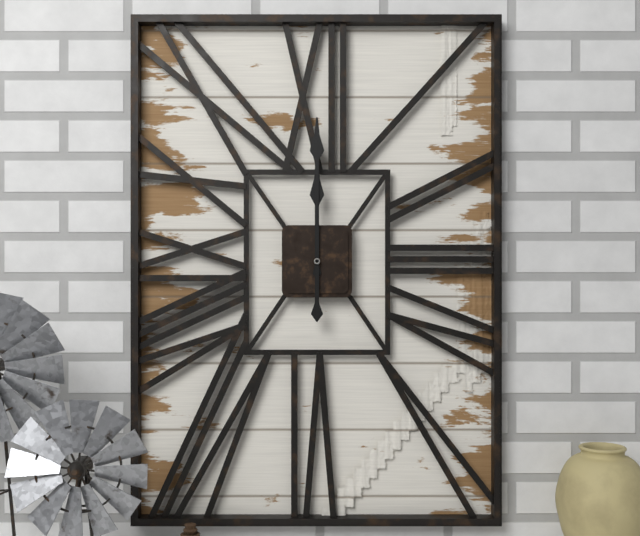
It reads {"hour": 12, "minute": 0}
